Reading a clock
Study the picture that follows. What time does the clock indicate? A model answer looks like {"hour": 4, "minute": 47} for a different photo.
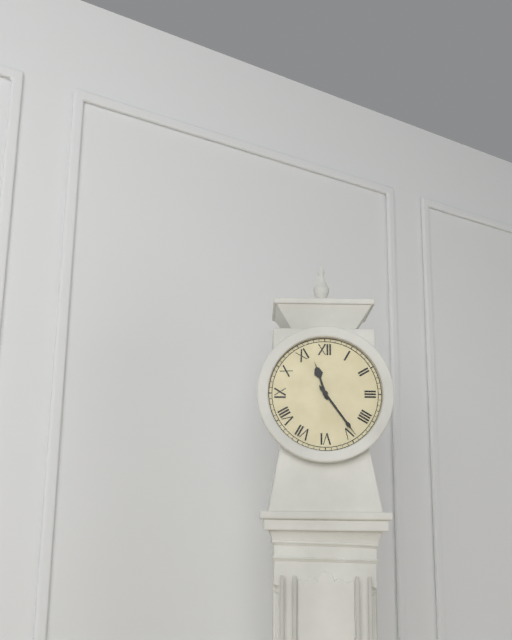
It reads {"hour": 11, "minute": 24}
